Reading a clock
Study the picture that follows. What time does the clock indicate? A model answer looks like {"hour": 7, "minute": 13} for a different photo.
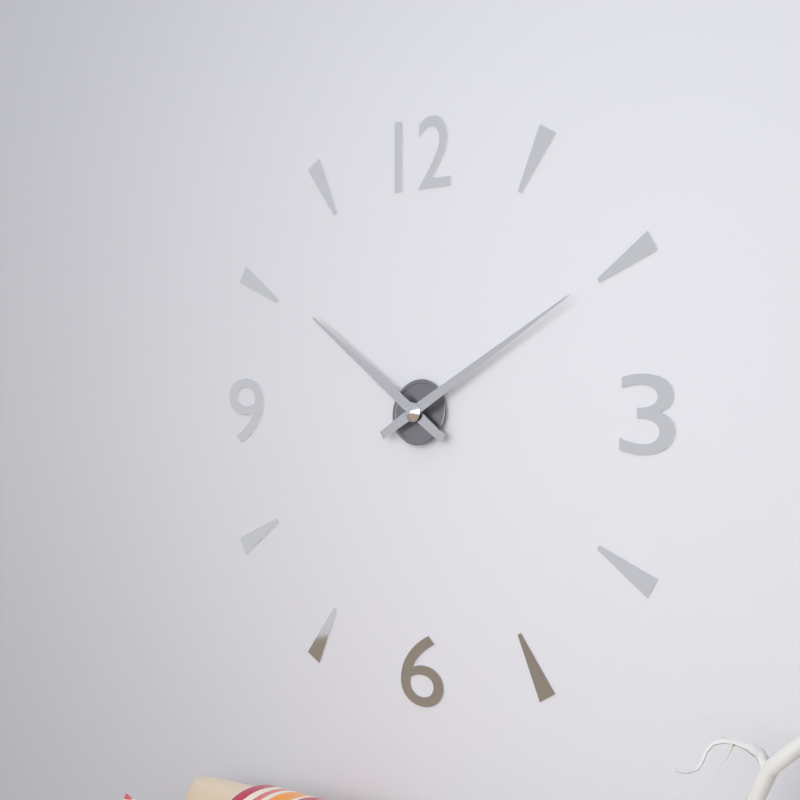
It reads {"hour": 10, "minute": 10}
